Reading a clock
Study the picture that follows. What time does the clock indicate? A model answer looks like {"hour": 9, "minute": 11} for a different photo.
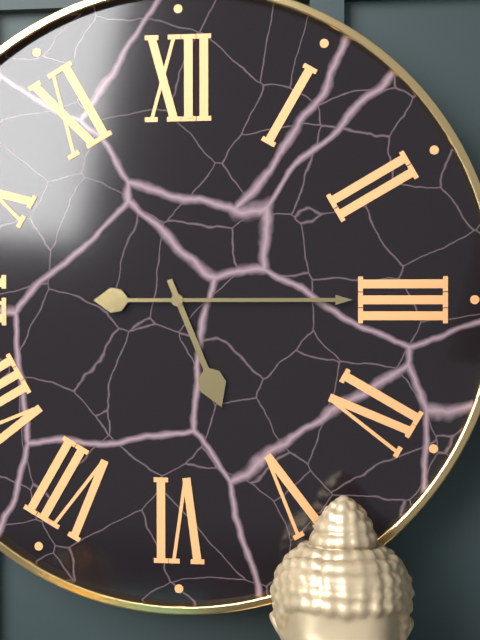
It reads {"hour": 5, "minute": 15}
